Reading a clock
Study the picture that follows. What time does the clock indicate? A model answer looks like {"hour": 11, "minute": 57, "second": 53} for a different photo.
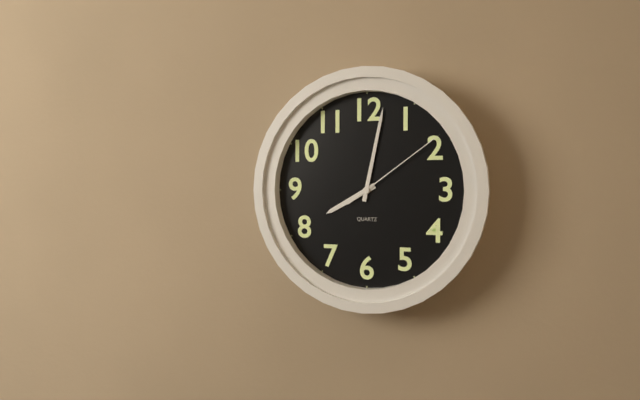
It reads {"hour": 8, "minute": 2, "second": 9}
